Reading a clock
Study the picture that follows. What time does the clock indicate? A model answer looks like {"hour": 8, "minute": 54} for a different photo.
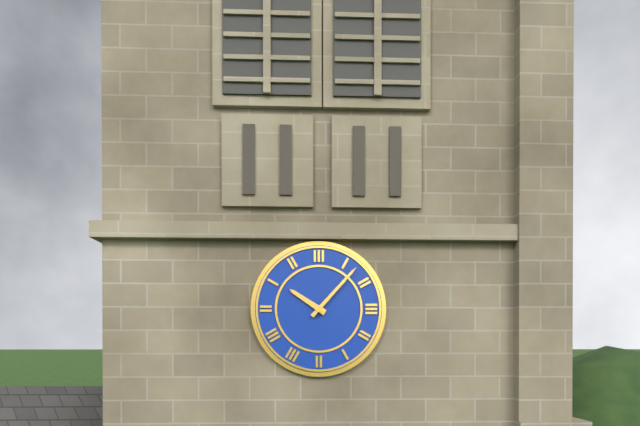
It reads {"hour": 10, "minute": 7}
